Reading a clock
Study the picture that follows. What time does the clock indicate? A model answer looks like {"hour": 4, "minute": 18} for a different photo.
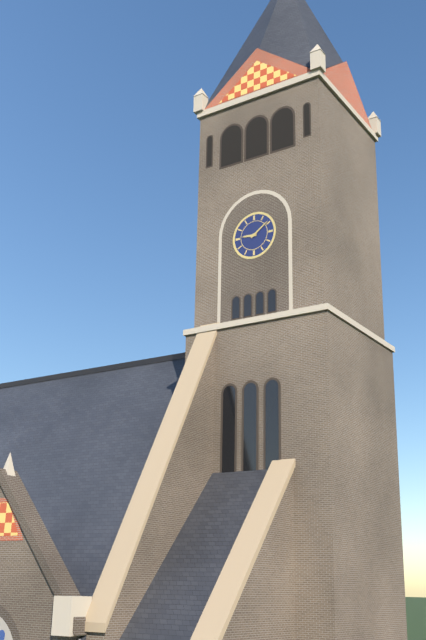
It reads {"hour": 9, "minute": 9}
